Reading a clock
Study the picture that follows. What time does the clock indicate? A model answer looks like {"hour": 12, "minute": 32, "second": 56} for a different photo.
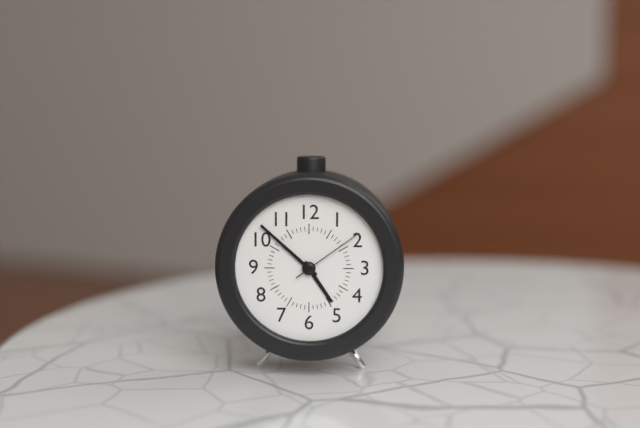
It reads {"hour": 4, "minute": 52, "second": 9}
